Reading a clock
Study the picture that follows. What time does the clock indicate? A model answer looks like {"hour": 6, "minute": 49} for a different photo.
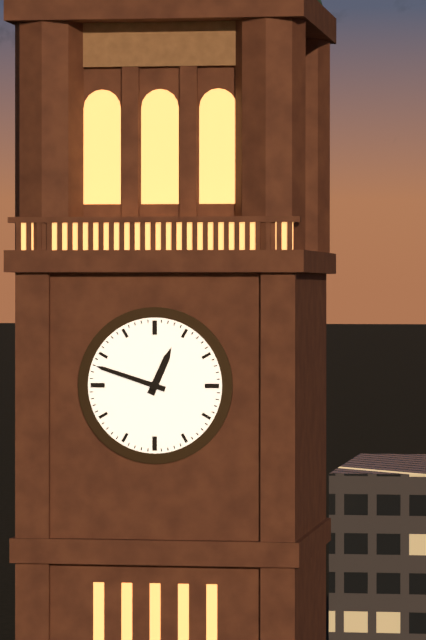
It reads {"hour": 12, "minute": 48}
